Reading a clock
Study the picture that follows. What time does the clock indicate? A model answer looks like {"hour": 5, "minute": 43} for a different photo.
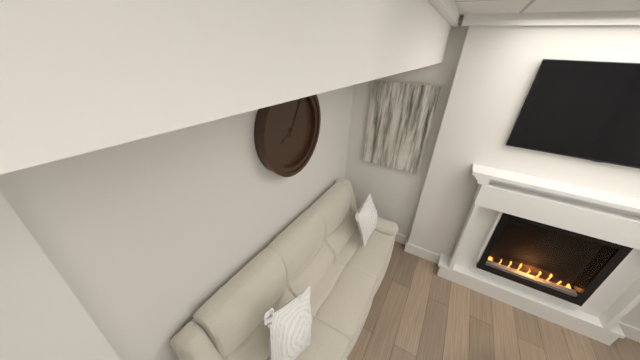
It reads {"hour": 8, "minute": 5}
